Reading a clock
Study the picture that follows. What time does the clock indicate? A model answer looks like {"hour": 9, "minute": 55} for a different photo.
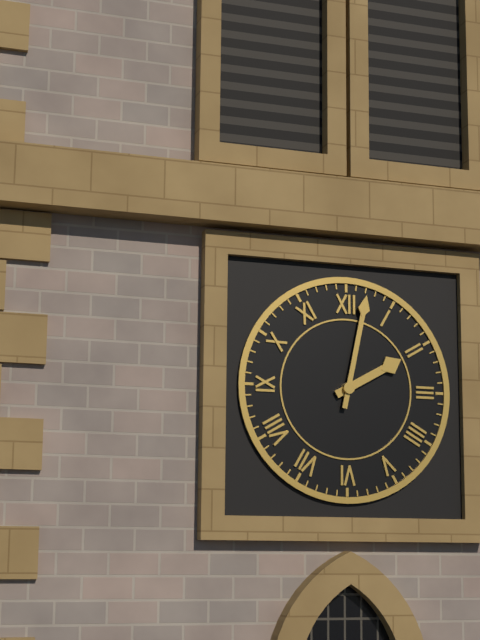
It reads {"hour": 2, "minute": 2}
